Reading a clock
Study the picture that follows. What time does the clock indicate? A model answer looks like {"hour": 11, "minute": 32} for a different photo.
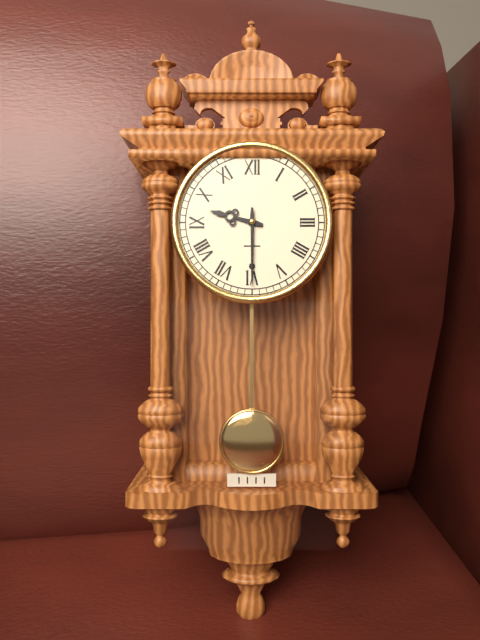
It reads {"hour": 9, "minute": 30}
